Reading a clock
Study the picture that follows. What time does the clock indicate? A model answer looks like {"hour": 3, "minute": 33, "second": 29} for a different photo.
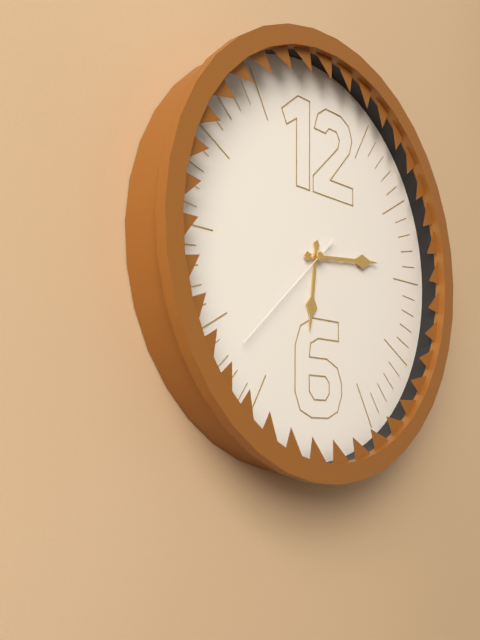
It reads {"hour": 6, "minute": 14, "second": 38}
